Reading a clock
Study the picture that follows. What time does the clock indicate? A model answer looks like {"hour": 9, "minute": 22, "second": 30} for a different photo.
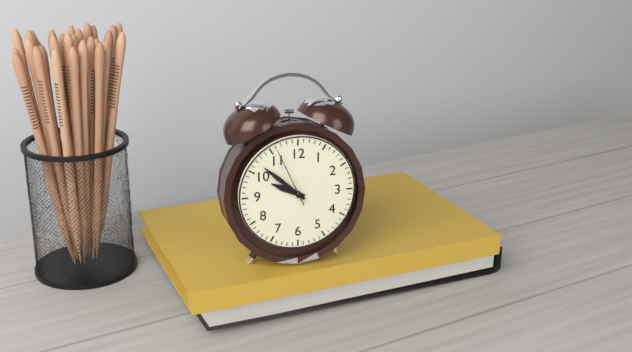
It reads {"hour": 9, "minute": 52, "second": 56}
